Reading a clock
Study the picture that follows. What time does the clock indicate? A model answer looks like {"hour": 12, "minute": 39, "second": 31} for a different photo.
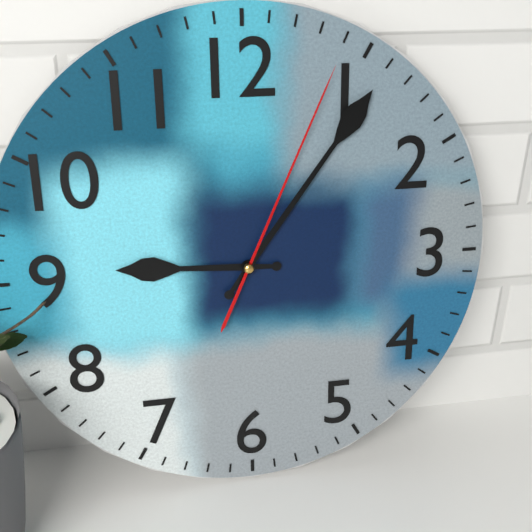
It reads {"hour": 9, "minute": 6, "second": 4}
